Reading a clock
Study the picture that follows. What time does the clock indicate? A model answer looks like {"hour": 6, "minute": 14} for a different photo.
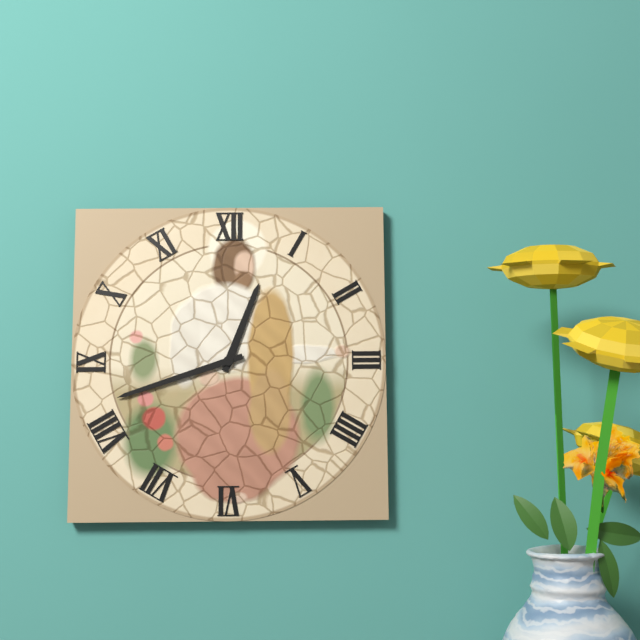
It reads {"hour": 12, "minute": 42}
